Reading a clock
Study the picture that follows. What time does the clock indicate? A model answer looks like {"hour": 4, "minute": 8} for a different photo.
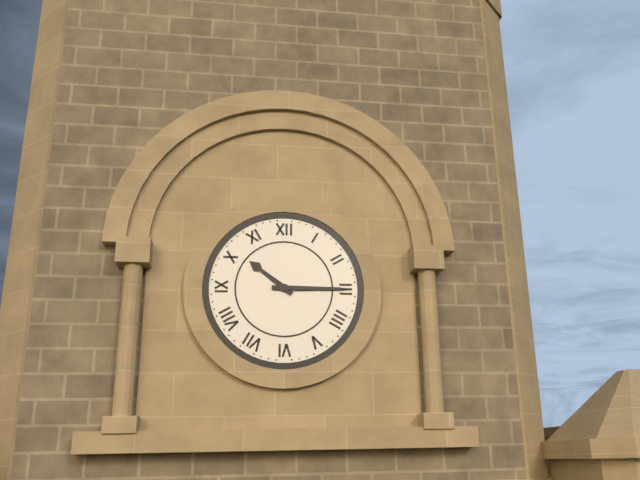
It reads {"hour": 10, "minute": 15}
